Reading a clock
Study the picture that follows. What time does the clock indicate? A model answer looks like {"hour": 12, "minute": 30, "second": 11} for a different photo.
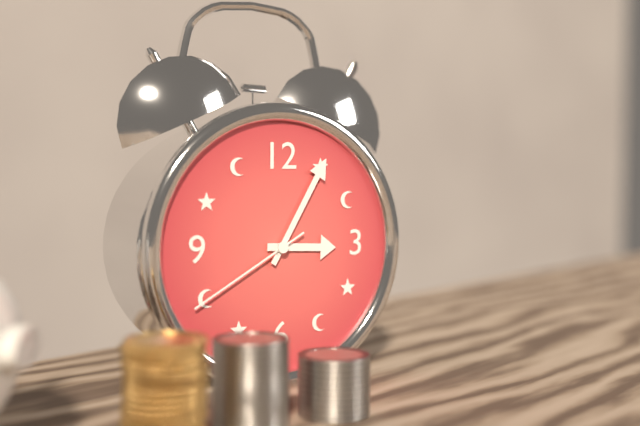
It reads {"hour": 3, "minute": 5, "second": 40}
